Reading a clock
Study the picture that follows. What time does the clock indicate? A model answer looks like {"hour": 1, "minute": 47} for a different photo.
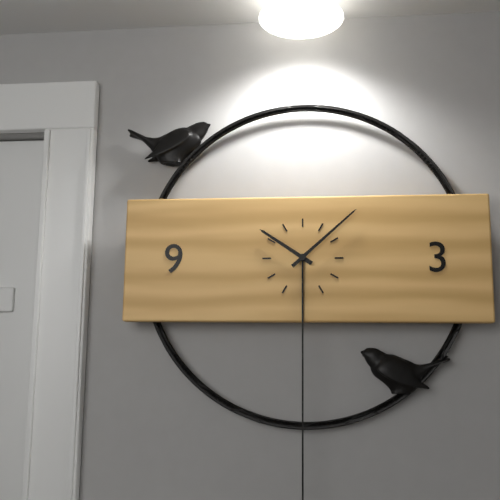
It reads {"hour": 10, "minute": 8}
